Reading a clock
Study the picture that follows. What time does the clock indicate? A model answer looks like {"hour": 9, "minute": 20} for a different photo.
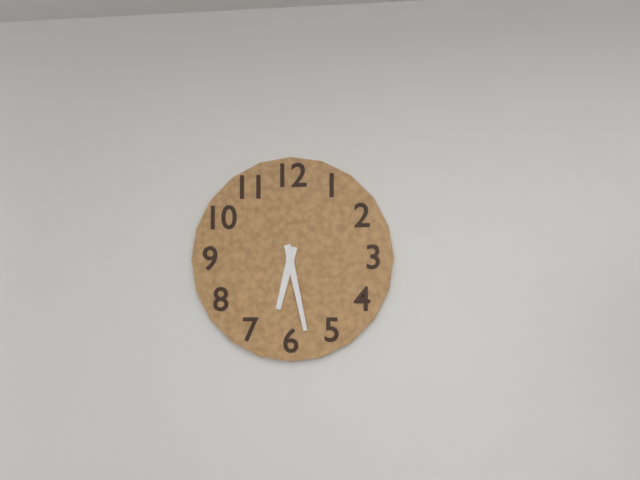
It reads {"hour": 6, "minute": 28}
